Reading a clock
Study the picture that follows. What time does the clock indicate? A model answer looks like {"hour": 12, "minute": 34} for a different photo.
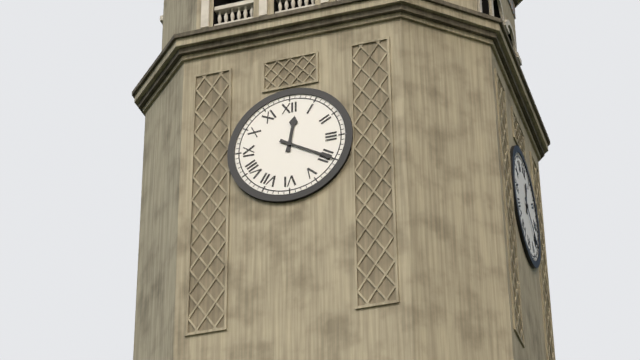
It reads {"hour": 12, "minute": 20}
